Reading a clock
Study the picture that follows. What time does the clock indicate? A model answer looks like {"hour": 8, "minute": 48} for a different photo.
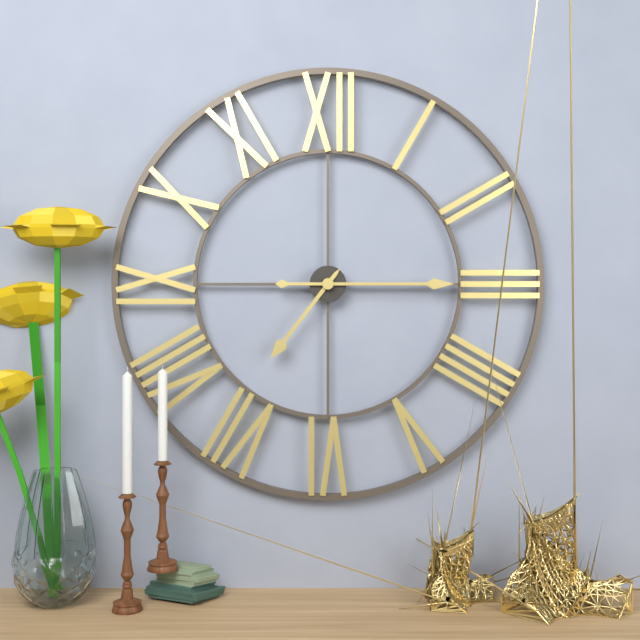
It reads {"hour": 7, "minute": 15}
